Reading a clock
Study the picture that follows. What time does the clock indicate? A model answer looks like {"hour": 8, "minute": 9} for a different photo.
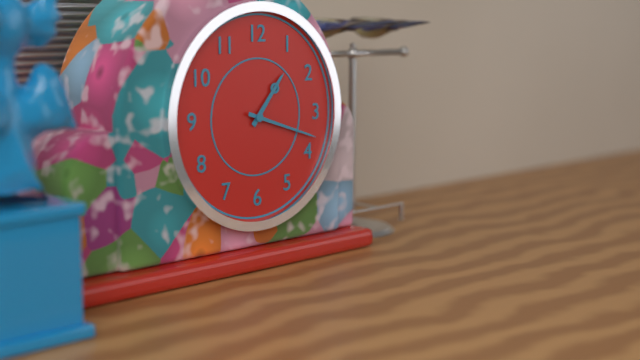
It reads {"hour": 1, "minute": 18}
